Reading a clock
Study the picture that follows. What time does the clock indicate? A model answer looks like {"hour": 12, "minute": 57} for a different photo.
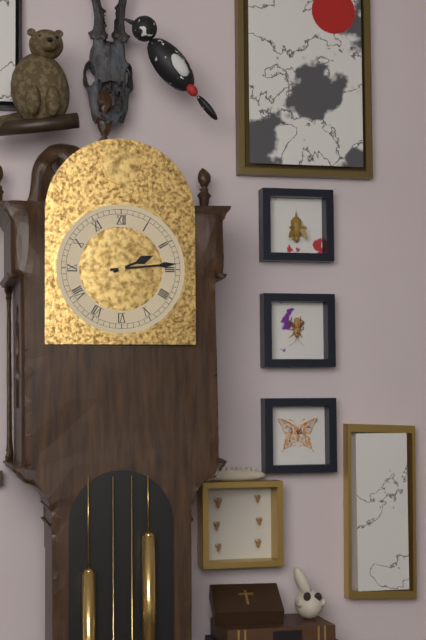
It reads {"hour": 2, "minute": 14}
